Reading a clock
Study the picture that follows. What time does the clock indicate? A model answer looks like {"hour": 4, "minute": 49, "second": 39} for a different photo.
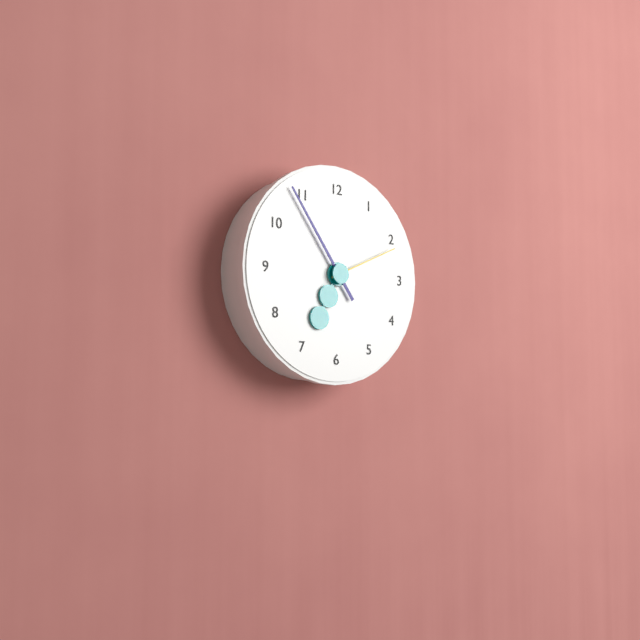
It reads {"hour": 6, "minute": 54, "second": 11}
